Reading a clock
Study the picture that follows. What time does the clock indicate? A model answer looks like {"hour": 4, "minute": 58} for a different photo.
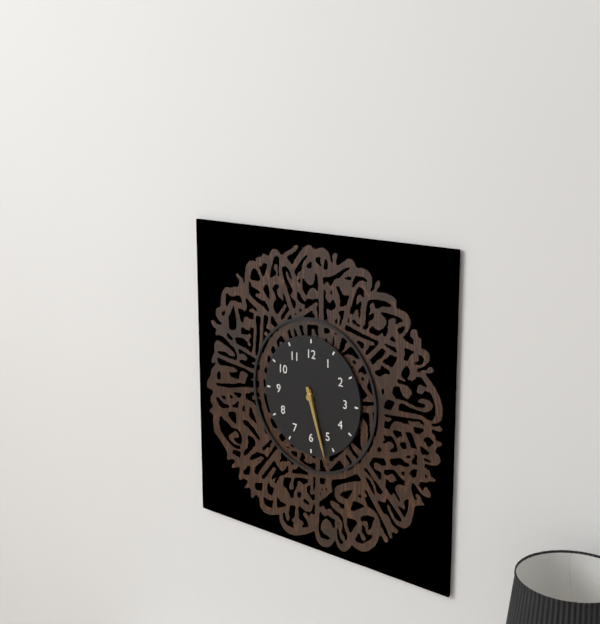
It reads {"hour": 5, "minute": 27}
